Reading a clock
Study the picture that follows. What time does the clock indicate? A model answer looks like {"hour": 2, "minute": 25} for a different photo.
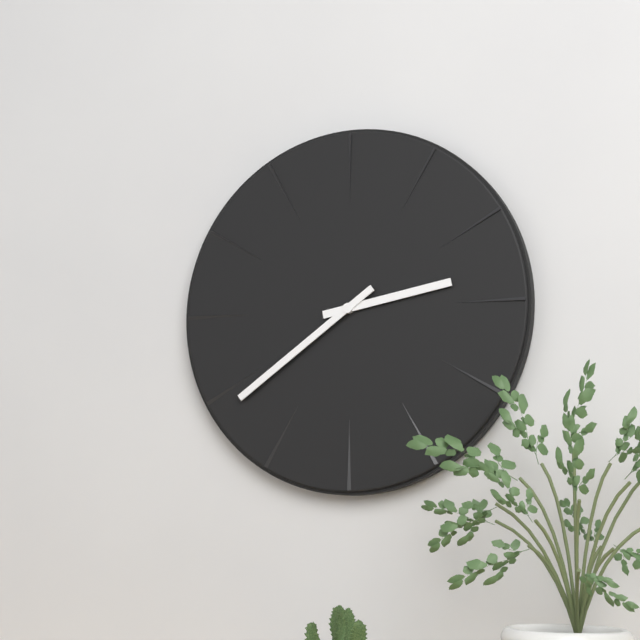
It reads {"hour": 2, "minute": 39}
